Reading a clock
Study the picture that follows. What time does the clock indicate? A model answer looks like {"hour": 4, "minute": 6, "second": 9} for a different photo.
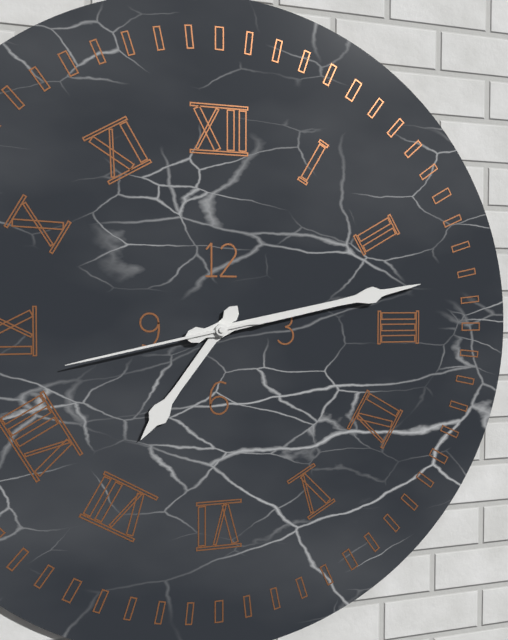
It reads {"hour": 7, "minute": 13, "second": 43}
